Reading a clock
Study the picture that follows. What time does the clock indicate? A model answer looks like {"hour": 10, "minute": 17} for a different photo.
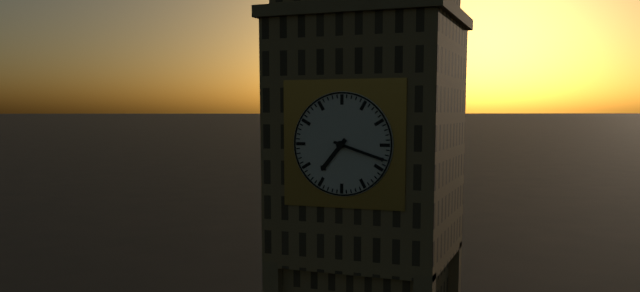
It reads {"hour": 7, "minute": 18}
